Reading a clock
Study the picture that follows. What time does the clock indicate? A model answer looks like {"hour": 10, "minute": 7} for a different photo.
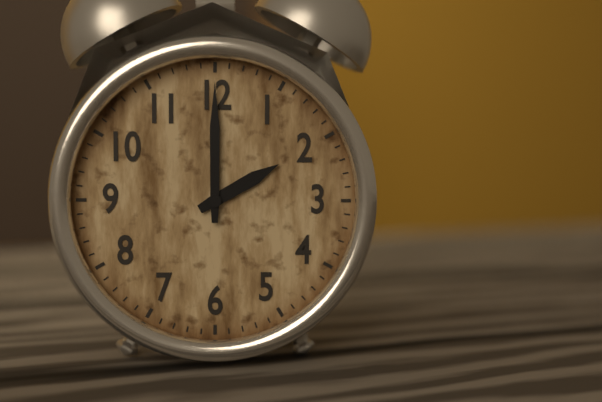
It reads {"hour": 2, "minute": 0}
